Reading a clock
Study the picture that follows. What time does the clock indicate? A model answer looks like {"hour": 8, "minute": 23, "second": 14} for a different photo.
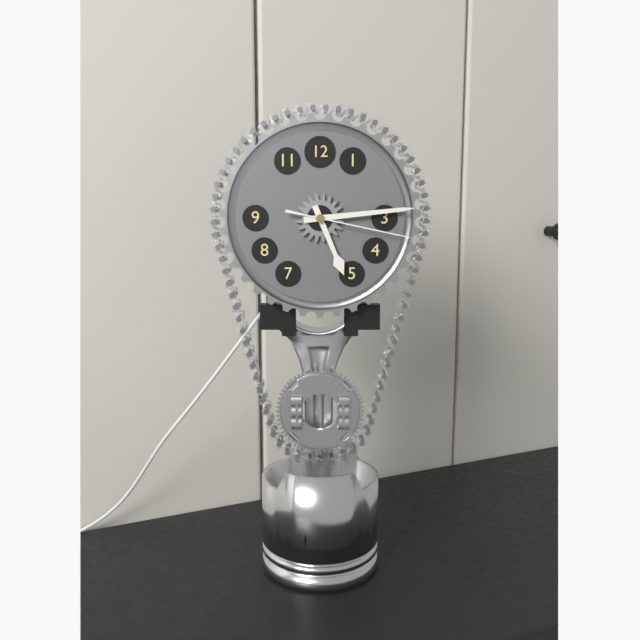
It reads {"hour": 5, "minute": 14, "second": 17}
